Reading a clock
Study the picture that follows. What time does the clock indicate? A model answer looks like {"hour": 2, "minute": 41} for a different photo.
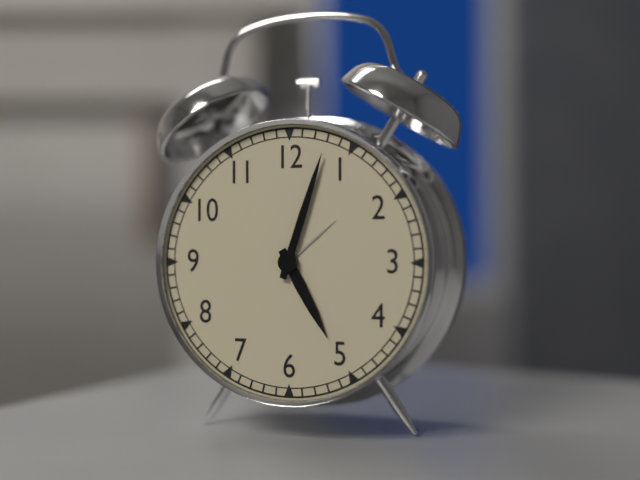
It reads {"hour": 5, "minute": 3}
